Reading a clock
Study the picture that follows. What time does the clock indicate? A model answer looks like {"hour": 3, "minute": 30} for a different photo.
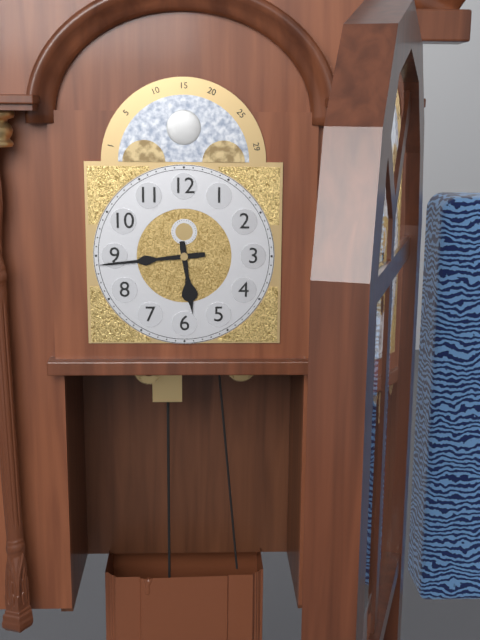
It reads {"hour": 5, "minute": 44}
